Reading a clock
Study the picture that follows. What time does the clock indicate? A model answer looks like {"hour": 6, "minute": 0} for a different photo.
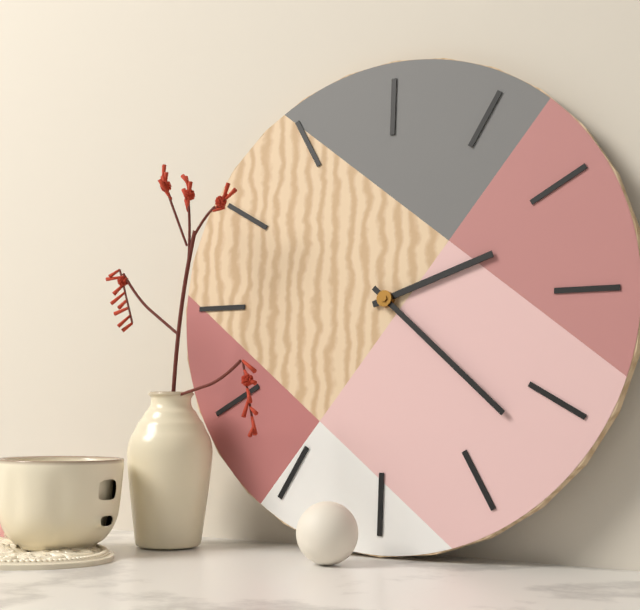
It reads {"hour": 2, "minute": 22}
